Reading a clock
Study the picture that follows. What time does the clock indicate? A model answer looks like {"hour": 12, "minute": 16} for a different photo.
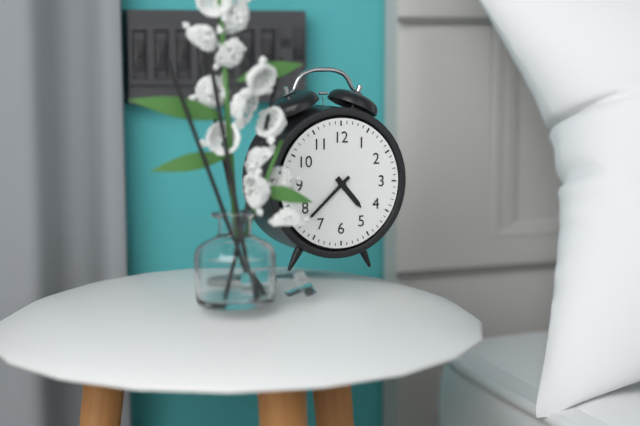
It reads {"hour": 4, "minute": 38}
